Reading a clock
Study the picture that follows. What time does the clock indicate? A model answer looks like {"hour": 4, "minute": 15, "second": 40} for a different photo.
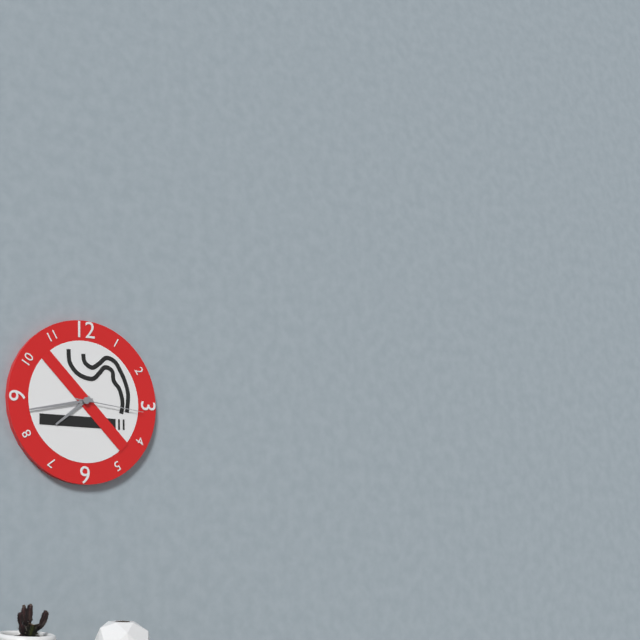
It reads {"hour": 7, "minute": 43, "second": 16}
